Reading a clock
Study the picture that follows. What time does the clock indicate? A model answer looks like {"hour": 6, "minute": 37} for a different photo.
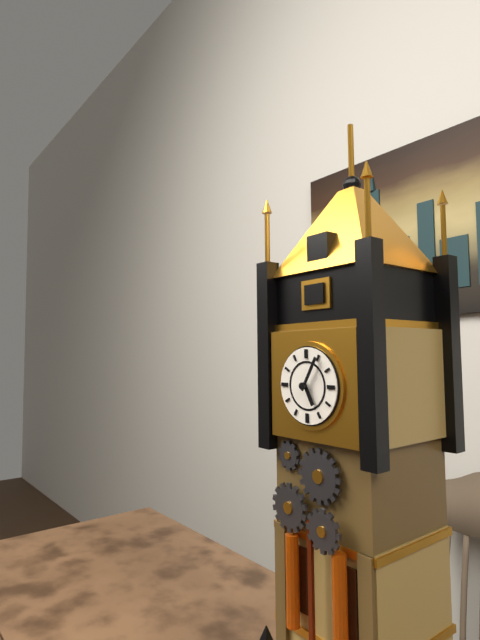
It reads {"hour": 5, "minute": 5}
